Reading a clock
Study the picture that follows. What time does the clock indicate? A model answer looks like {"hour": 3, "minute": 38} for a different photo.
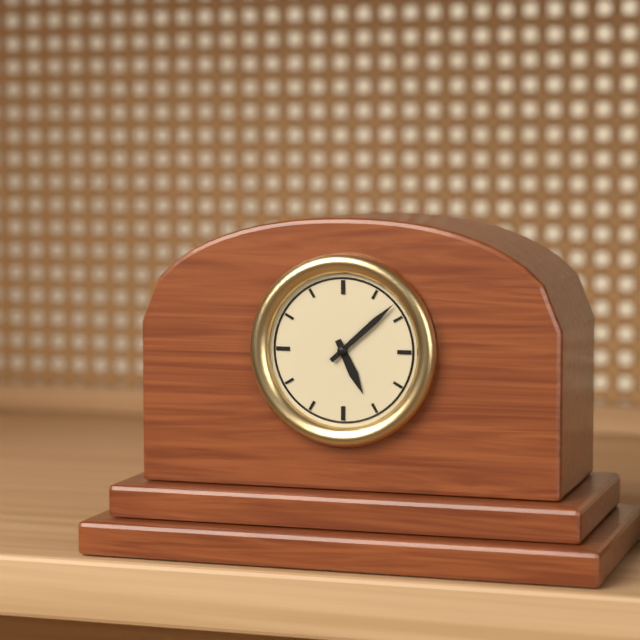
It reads {"hour": 5, "minute": 8}
